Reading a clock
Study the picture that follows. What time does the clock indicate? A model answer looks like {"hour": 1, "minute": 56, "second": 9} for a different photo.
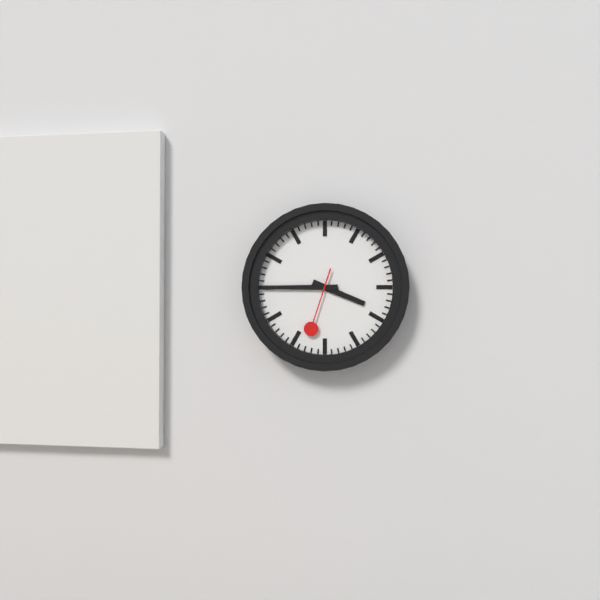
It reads {"hour": 3, "minute": 45, "second": 33}
